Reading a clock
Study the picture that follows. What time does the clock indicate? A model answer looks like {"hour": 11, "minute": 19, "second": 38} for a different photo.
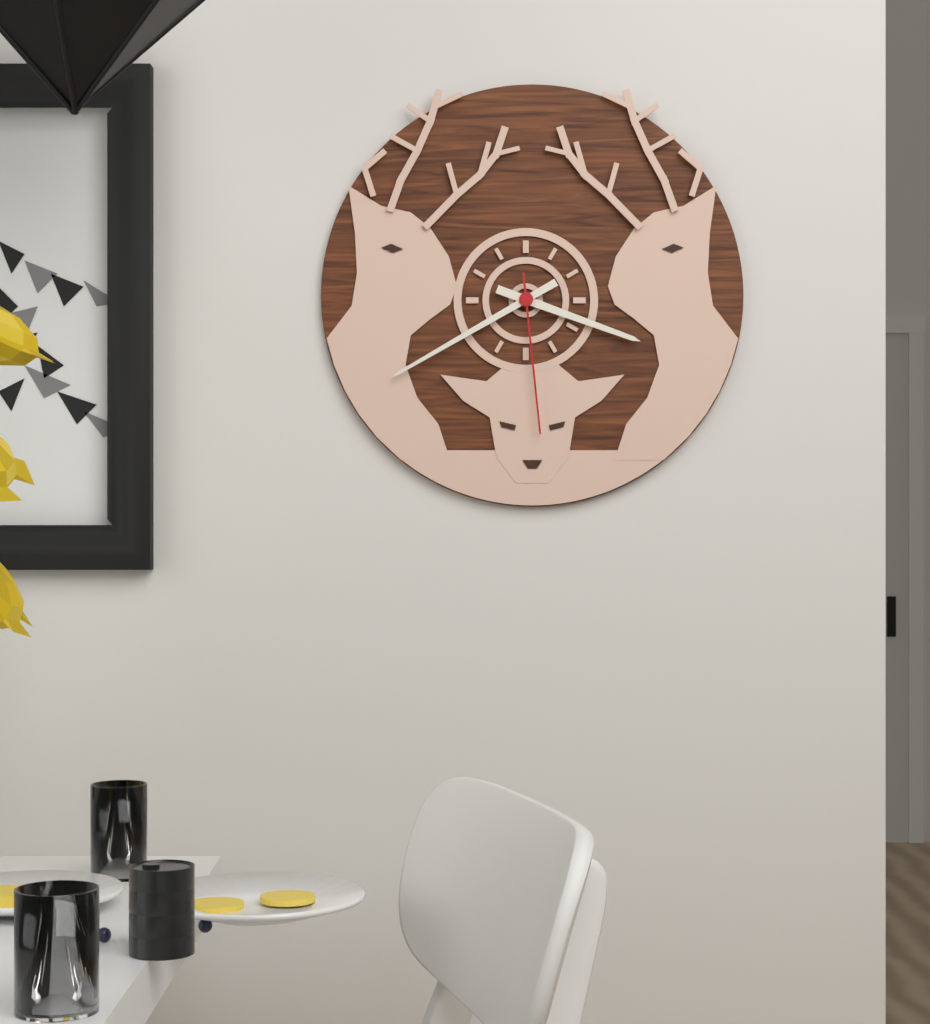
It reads {"hour": 3, "minute": 40, "second": 29}
